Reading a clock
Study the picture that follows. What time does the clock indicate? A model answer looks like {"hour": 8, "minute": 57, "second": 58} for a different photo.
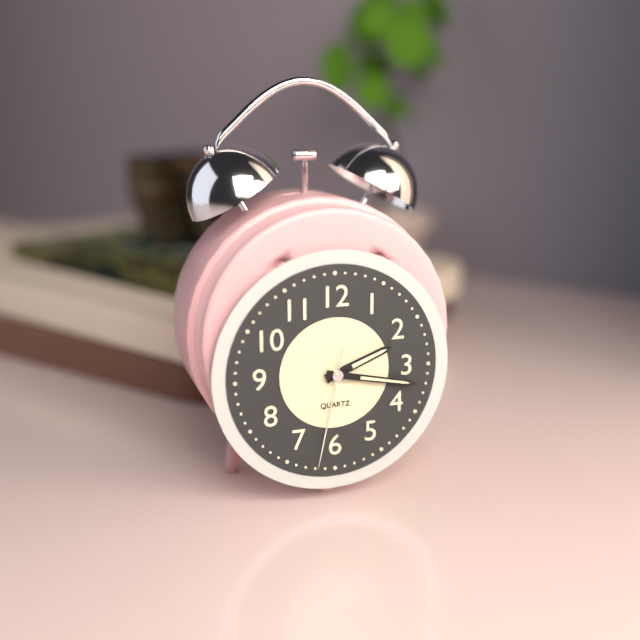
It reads {"hour": 2, "minute": 17, "second": 32}
